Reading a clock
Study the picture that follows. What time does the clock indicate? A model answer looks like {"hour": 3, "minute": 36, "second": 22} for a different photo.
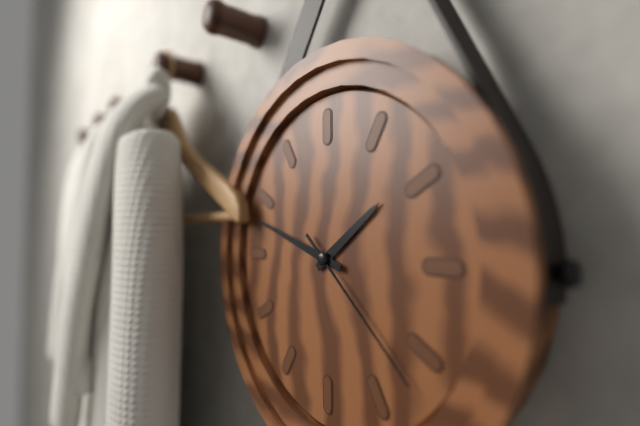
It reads {"hour": 1, "minute": 48, "second": 22}
